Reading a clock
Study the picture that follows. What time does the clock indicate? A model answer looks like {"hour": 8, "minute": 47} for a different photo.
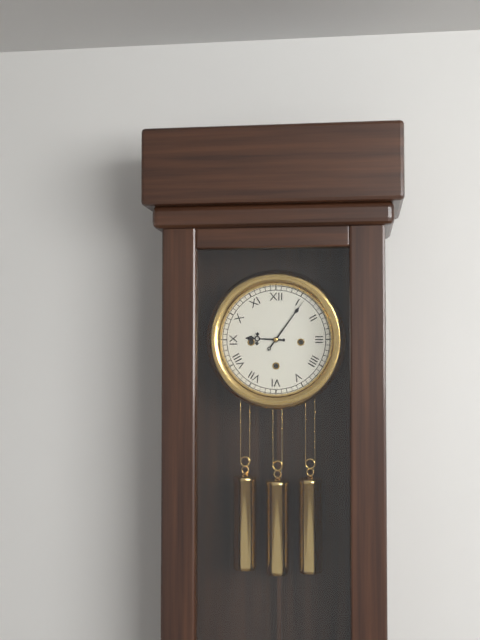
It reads {"hour": 9, "minute": 6}
